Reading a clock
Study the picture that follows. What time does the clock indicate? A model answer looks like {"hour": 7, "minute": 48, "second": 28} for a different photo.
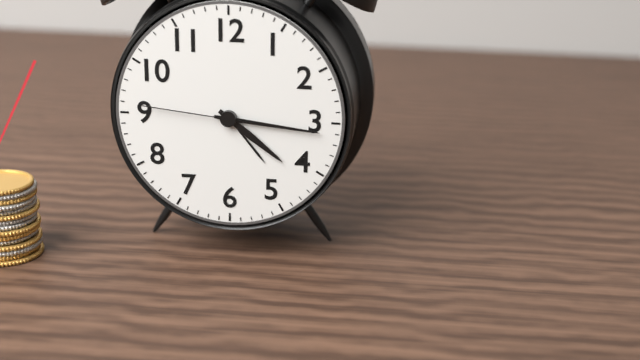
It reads {"hour": 4, "minute": 16, "second": 46}
